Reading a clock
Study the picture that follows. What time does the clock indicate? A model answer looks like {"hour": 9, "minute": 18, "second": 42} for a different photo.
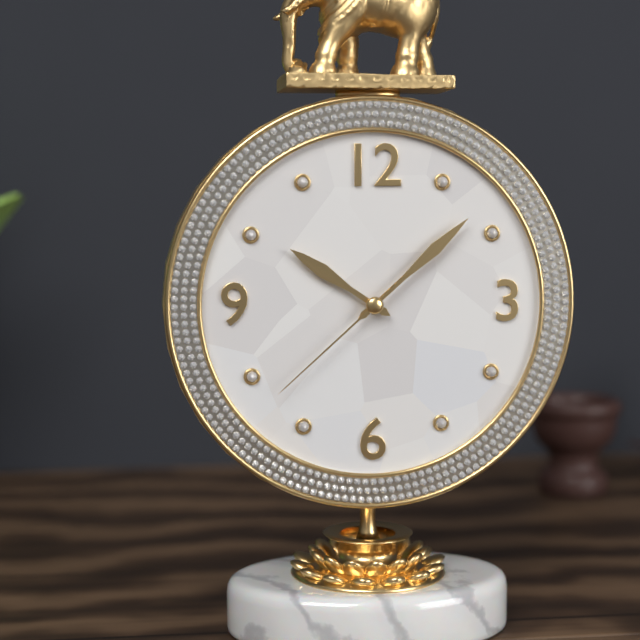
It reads {"hour": 10, "minute": 8, "second": 38}
